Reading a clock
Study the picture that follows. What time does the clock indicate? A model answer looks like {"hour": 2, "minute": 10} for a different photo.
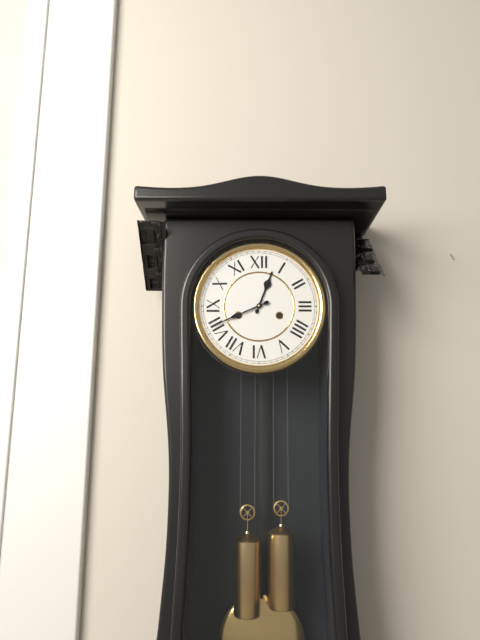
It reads {"hour": 12, "minute": 41}
